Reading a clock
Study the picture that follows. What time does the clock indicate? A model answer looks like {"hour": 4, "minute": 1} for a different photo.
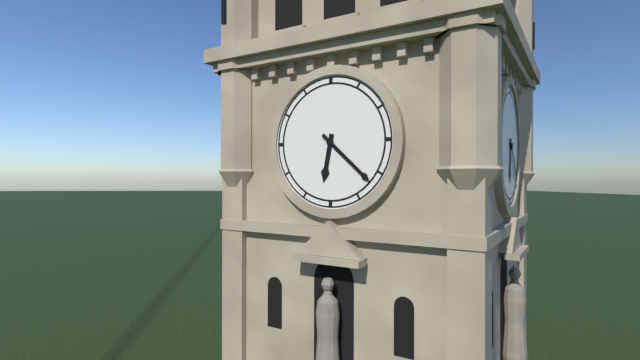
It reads {"hour": 6, "minute": 22}
